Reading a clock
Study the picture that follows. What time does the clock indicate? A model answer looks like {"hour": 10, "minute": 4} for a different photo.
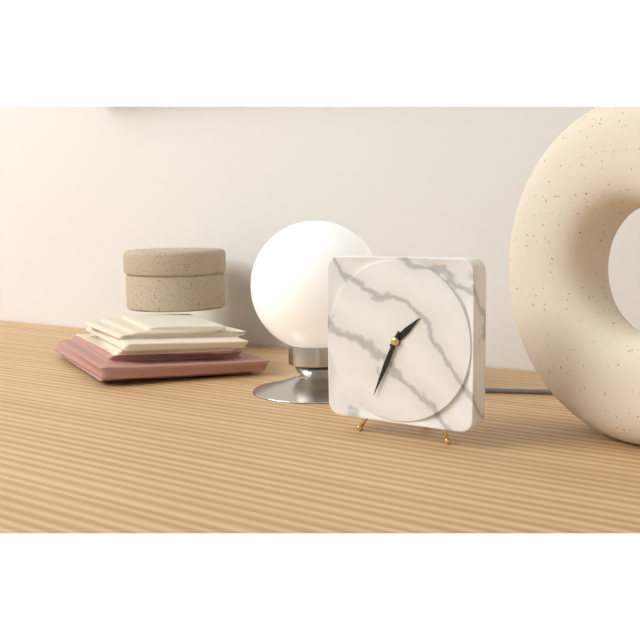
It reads {"hour": 1, "minute": 34}
